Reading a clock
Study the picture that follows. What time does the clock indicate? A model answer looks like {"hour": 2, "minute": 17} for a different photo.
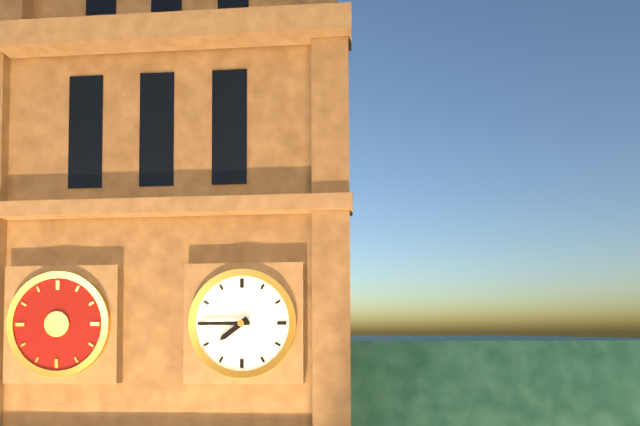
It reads {"hour": 7, "minute": 45}
